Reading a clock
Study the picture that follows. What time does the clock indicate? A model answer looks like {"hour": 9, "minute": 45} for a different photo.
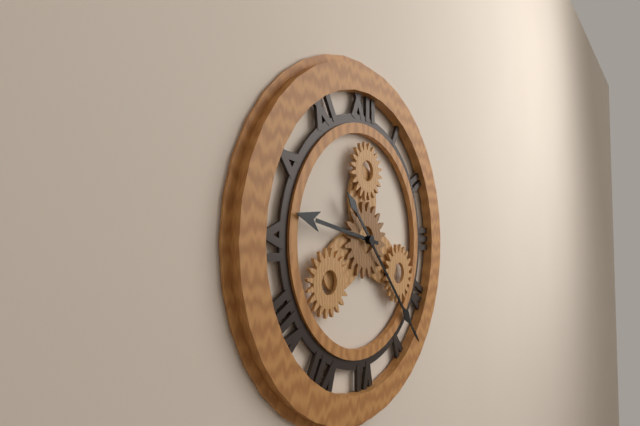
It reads {"hour": 9, "minute": 23}
